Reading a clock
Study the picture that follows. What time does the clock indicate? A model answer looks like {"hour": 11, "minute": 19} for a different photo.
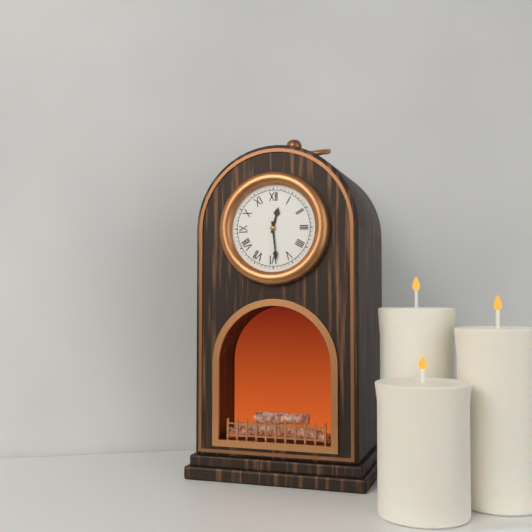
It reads {"hour": 12, "minute": 29}
